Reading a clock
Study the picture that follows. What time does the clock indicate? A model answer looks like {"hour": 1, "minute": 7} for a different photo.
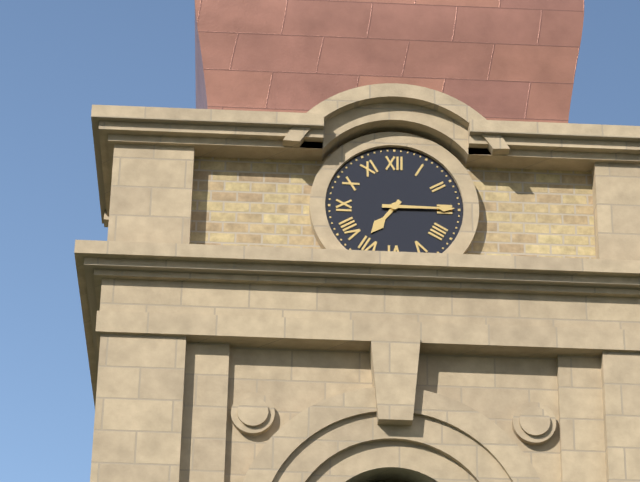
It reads {"hour": 7, "minute": 15}
